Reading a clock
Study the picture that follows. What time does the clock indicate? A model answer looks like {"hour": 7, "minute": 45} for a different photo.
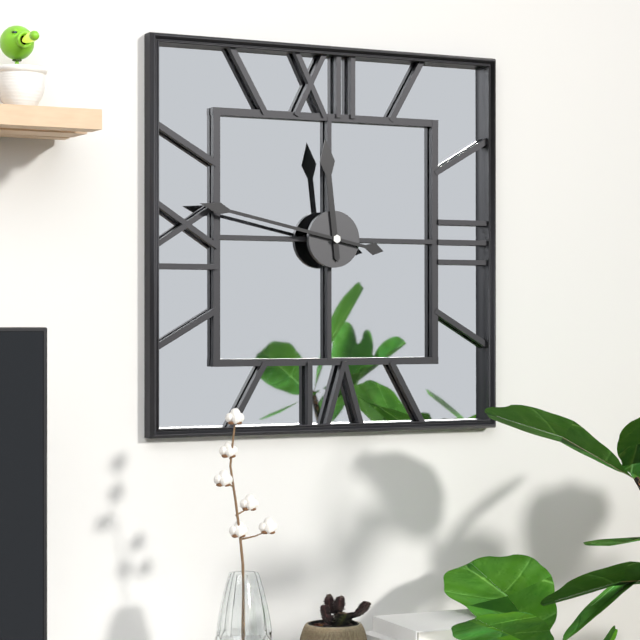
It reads {"hour": 11, "minute": 47}
